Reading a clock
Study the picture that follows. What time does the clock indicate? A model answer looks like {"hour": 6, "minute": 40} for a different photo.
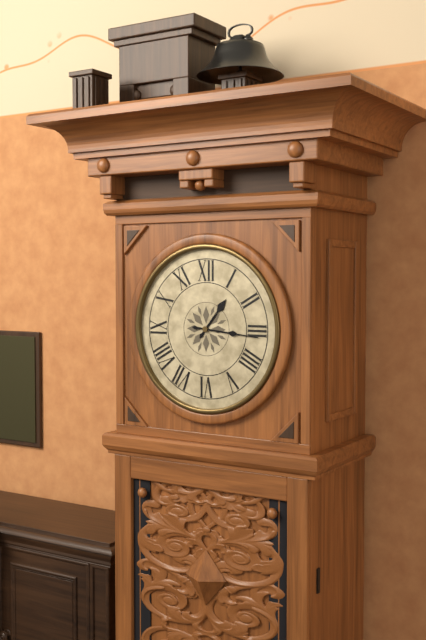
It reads {"hour": 1, "minute": 16}
